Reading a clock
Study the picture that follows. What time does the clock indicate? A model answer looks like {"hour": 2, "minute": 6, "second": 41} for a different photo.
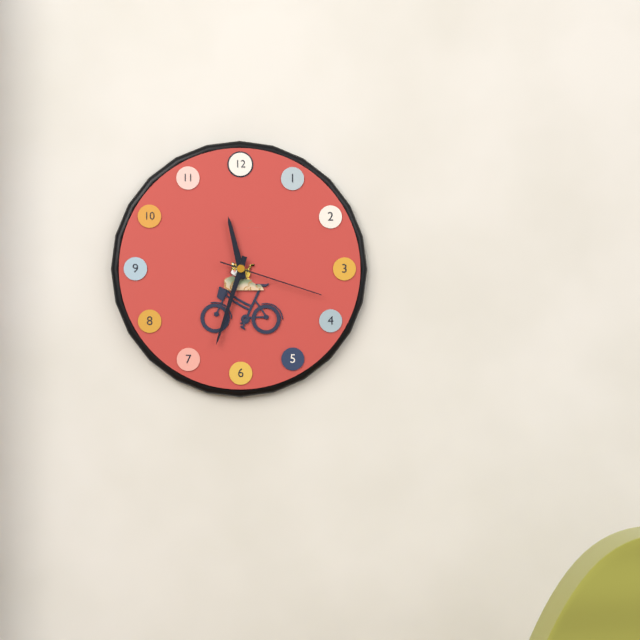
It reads {"hour": 11, "minute": 33, "second": 18}
